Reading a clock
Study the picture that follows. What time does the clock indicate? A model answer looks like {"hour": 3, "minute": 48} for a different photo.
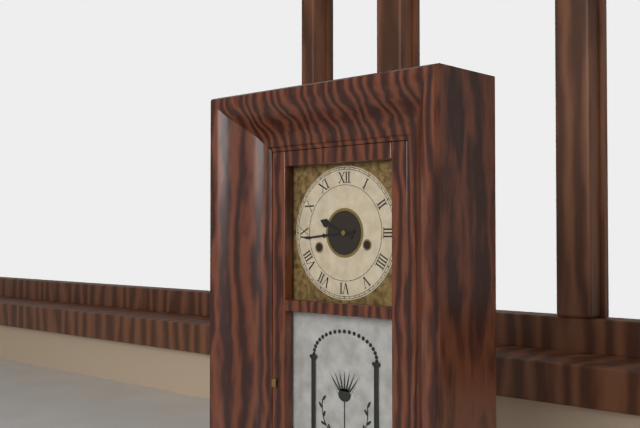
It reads {"hour": 9, "minute": 44}
